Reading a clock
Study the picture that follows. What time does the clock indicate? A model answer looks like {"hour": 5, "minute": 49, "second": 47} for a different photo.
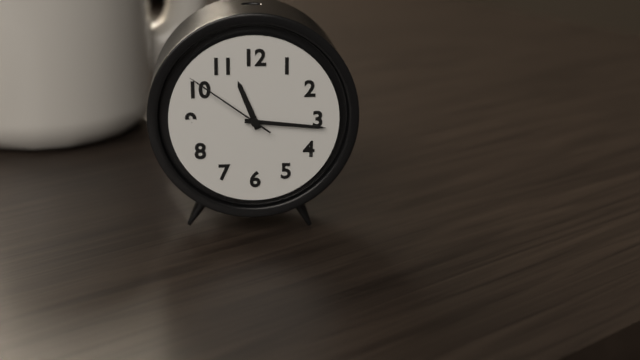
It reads {"hour": 11, "minute": 16, "second": 51}
